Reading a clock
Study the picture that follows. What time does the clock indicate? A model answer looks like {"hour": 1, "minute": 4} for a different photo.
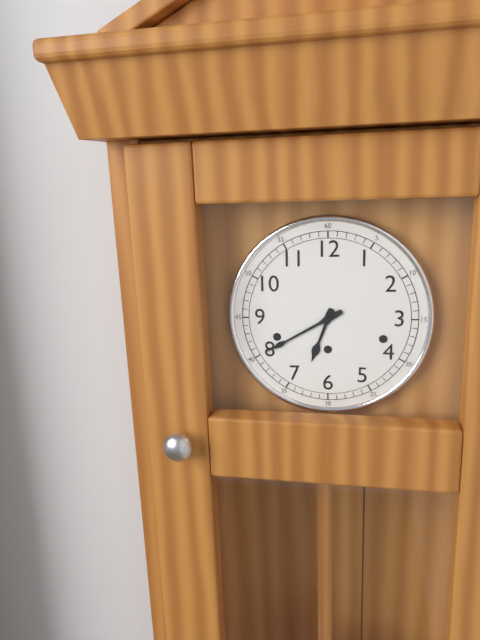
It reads {"hour": 6, "minute": 40}
